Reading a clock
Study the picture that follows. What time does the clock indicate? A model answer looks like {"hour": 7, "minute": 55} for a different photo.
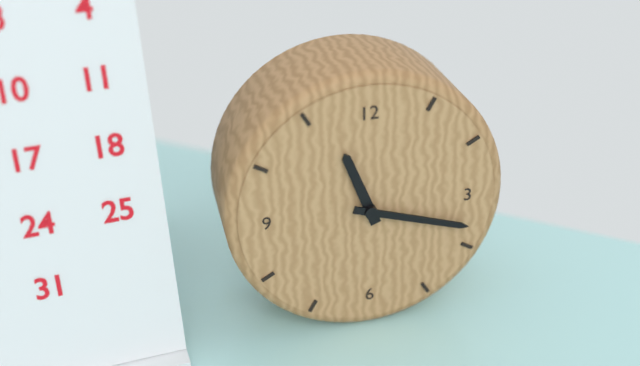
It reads {"hour": 11, "minute": 18}
